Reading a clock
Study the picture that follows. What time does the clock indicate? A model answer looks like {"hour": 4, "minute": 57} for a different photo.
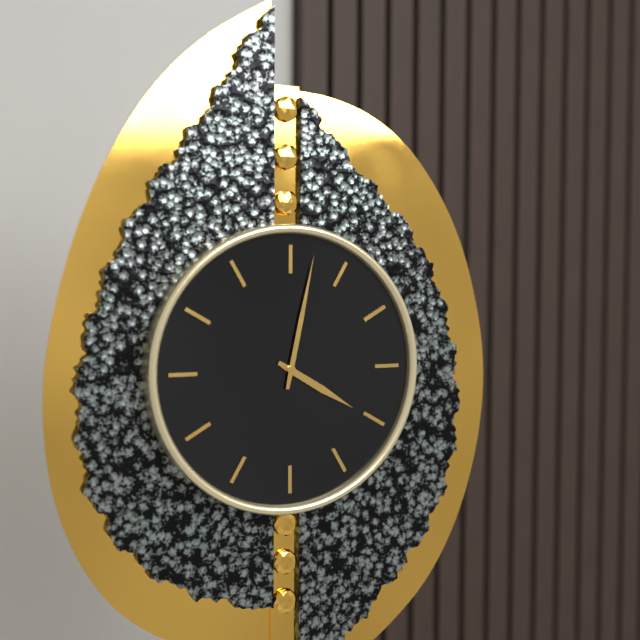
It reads {"hour": 4, "minute": 2}
